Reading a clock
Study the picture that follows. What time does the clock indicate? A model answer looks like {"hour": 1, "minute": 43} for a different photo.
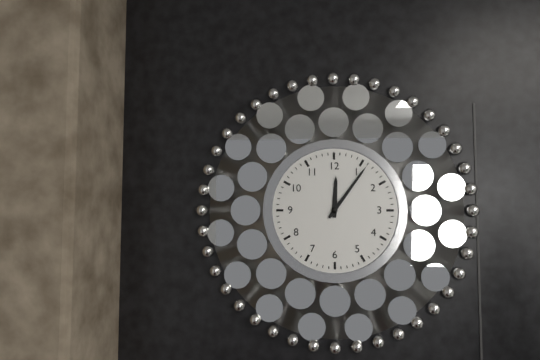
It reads {"hour": 12, "minute": 6}
